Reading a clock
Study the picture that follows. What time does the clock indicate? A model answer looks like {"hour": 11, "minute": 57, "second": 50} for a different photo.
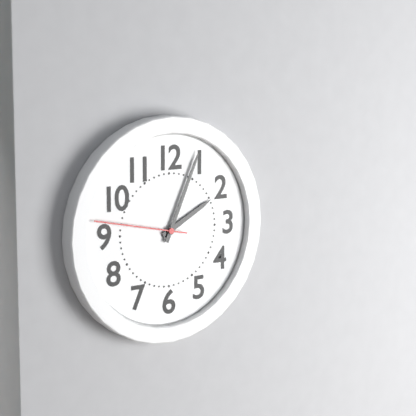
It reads {"hour": 2, "minute": 4, "second": 47}
